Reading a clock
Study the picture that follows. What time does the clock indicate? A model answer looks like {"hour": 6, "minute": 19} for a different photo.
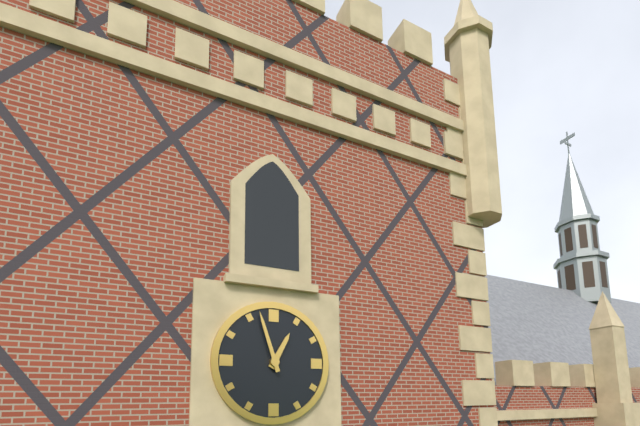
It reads {"hour": 12, "minute": 57}
